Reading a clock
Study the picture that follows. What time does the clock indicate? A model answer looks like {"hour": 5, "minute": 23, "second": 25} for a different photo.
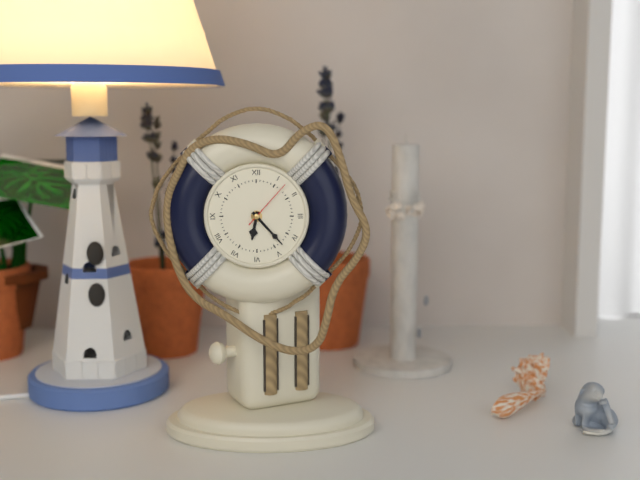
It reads {"hour": 6, "minute": 23, "second": 7}
